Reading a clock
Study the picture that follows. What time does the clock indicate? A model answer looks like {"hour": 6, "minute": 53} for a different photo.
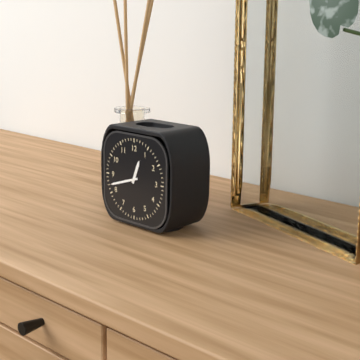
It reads {"hour": 12, "minute": 42}
